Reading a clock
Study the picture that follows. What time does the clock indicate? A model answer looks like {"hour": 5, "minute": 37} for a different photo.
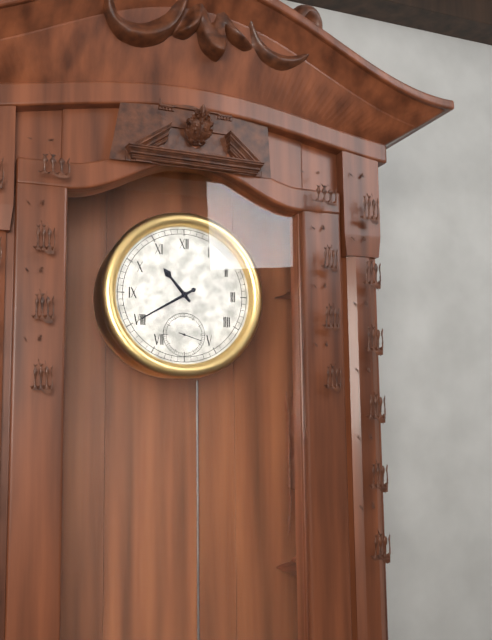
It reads {"hour": 10, "minute": 40}
